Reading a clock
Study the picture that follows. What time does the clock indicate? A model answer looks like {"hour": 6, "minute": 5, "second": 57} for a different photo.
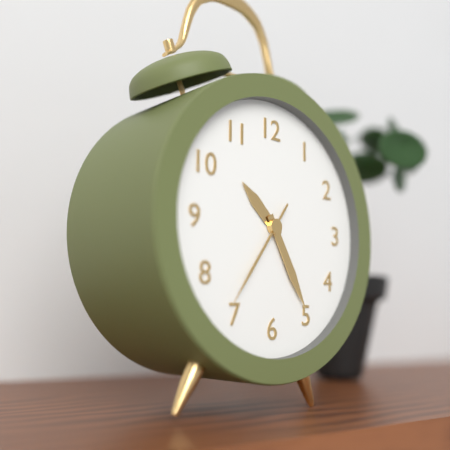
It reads {"hour": 10, "minute": 25, "second": 36}
